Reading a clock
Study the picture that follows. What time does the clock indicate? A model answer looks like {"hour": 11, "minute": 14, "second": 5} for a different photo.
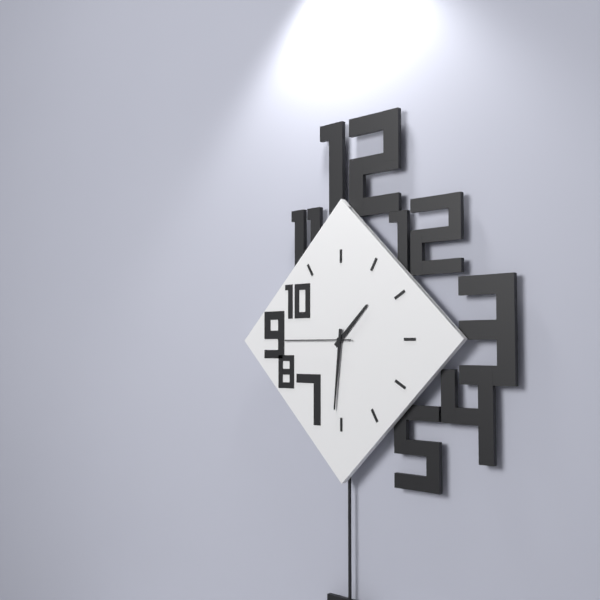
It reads {"hour": 1, "minute": 31, "second": 45}
